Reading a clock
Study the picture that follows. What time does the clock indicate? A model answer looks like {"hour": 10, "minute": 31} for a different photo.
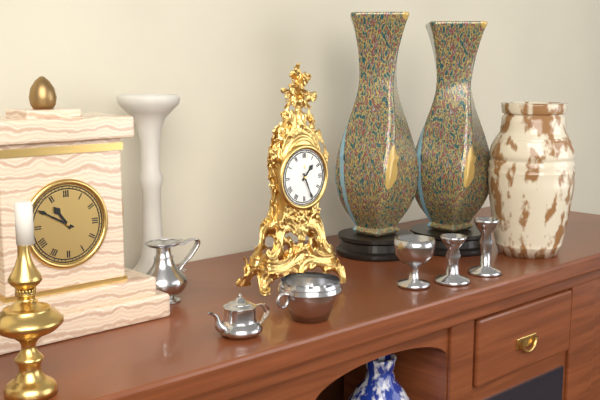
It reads {"hour": 1, "minute": 26}
